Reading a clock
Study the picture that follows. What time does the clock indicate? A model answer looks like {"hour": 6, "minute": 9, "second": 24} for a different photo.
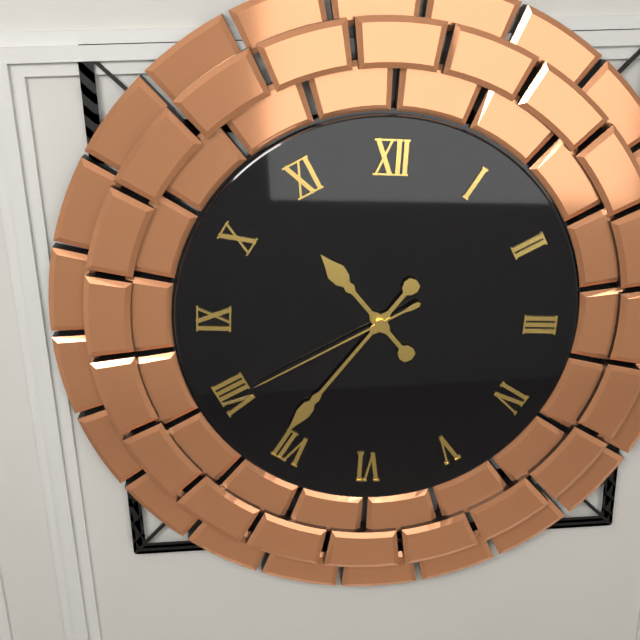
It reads {"hour": 10, "minute": 36, "second": 40}
